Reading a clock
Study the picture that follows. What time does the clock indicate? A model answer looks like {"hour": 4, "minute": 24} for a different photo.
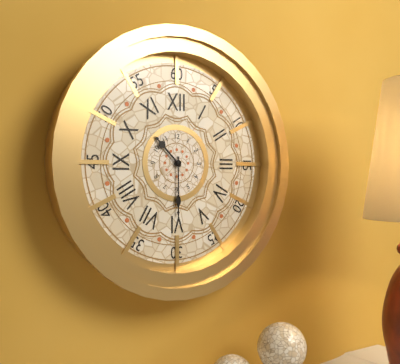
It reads {"hour": 10, "minute": 30}
